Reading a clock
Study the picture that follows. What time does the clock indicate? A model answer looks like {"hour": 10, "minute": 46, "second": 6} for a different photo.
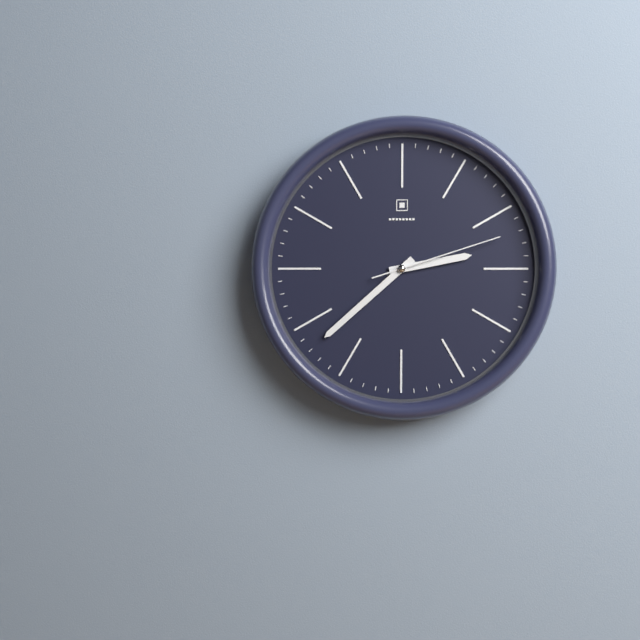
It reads {"hour": 2, "minute": 38, "second": 12}
